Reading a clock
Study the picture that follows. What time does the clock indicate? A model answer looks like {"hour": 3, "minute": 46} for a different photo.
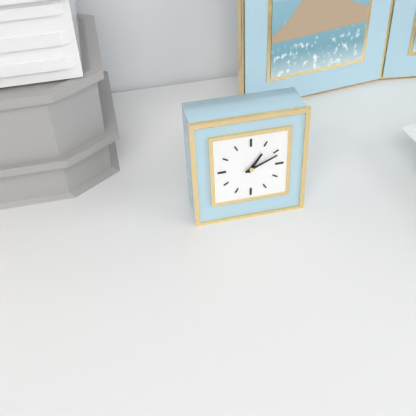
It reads {"hour": 1, "minute": 11}
